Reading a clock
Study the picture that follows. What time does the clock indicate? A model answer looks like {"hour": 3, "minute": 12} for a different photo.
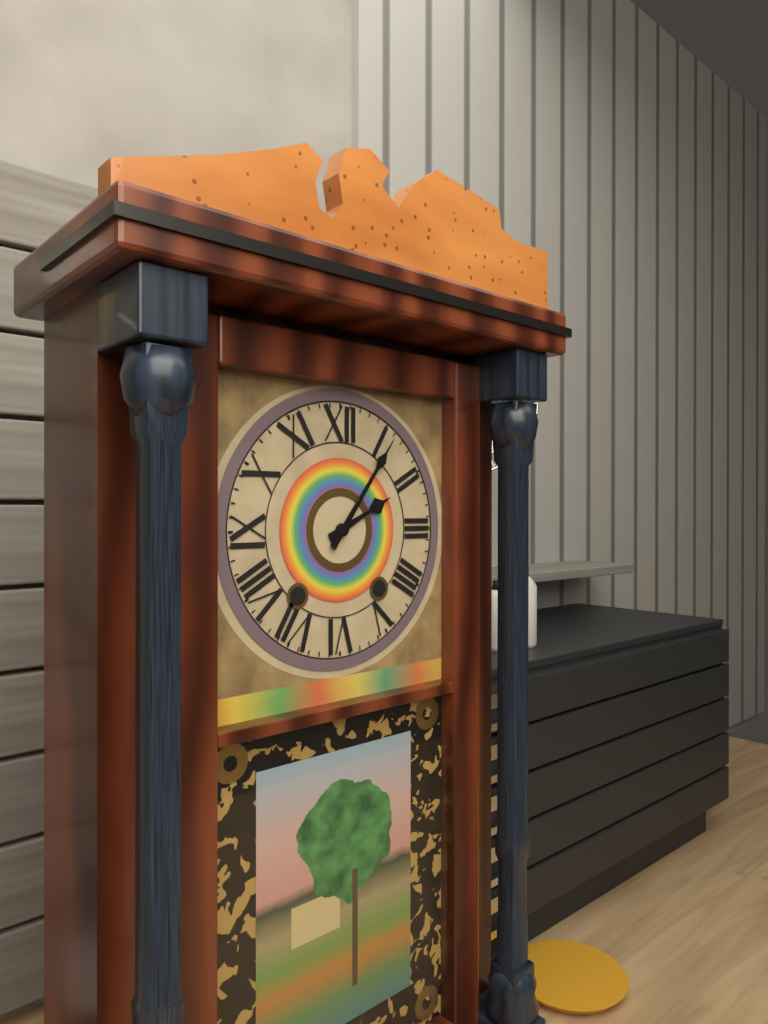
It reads {"hour": 2, "minute": 6}
